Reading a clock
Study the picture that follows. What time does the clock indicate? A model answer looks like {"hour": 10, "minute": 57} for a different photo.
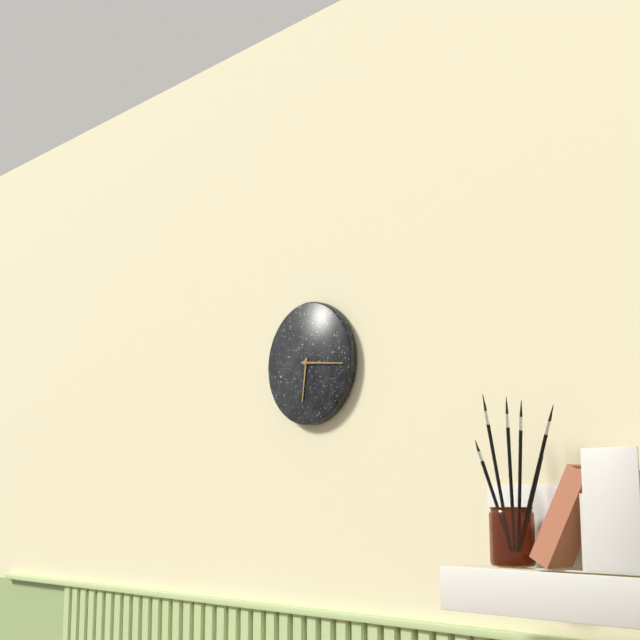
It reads {"hour": 6, "minute": 16}
